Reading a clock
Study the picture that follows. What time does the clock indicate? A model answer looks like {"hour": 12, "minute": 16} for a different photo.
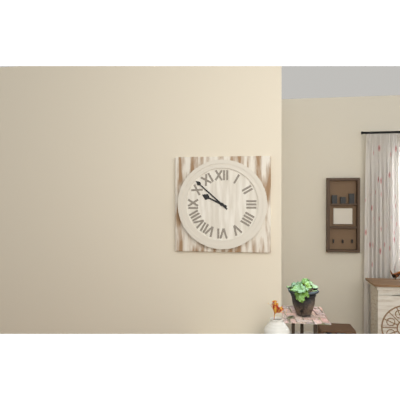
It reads {"hour": 9, "minute": 52}
